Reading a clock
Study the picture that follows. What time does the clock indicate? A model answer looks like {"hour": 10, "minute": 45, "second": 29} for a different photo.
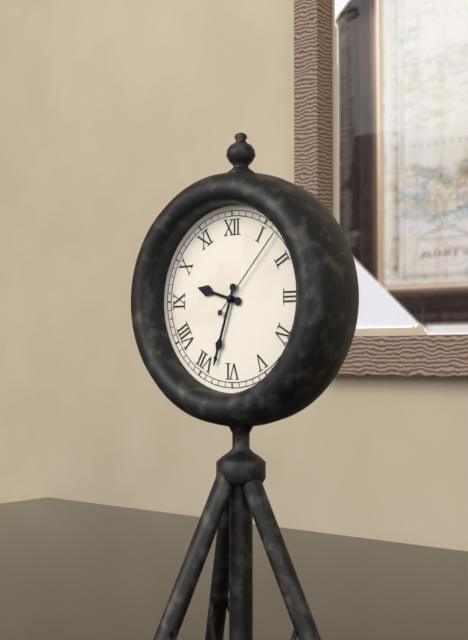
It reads {"hour": 9, "minute": 33, "second": 7}
